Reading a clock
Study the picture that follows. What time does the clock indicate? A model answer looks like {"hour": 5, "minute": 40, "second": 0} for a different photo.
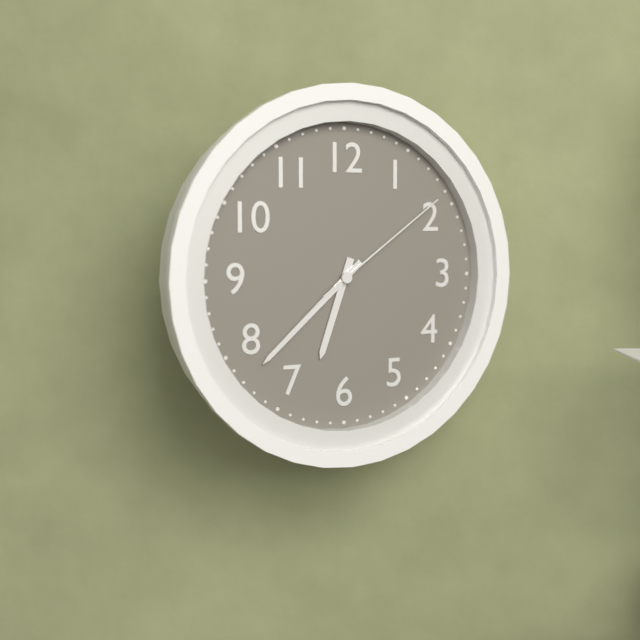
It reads {"hour": 6, "minute": 38, "second": 9}
